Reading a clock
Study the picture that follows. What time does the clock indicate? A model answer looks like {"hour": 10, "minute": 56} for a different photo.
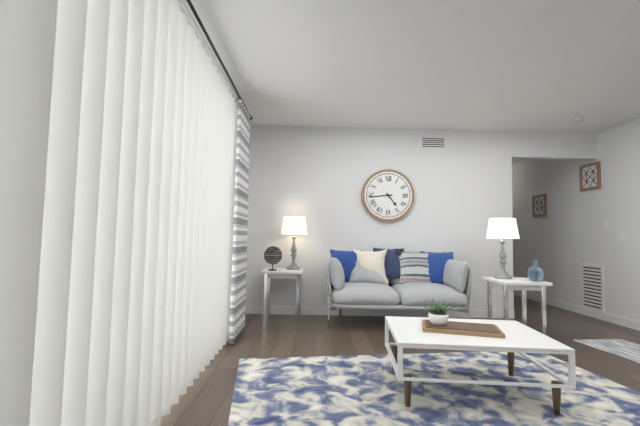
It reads {"hour": 4, "minute": 44}
